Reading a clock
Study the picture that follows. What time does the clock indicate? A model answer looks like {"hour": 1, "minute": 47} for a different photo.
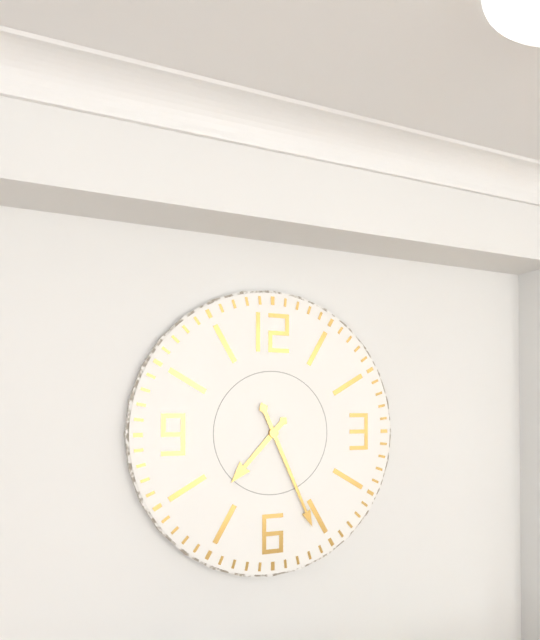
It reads {"hour": 7, "minute": 26}
